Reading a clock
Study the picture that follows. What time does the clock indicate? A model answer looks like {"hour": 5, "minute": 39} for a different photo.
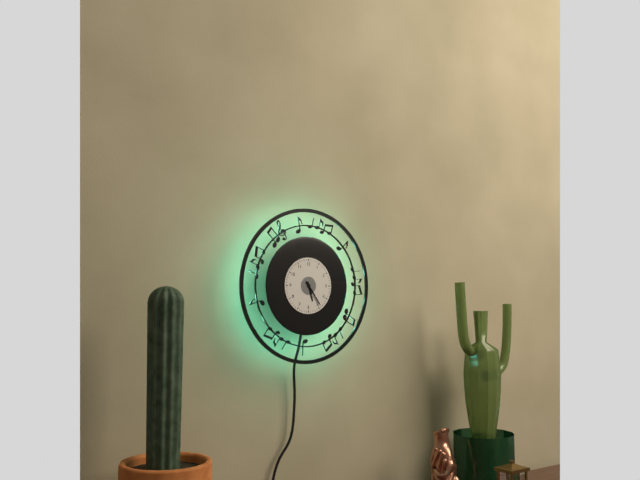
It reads {"hour": 5, "minute": 24}
